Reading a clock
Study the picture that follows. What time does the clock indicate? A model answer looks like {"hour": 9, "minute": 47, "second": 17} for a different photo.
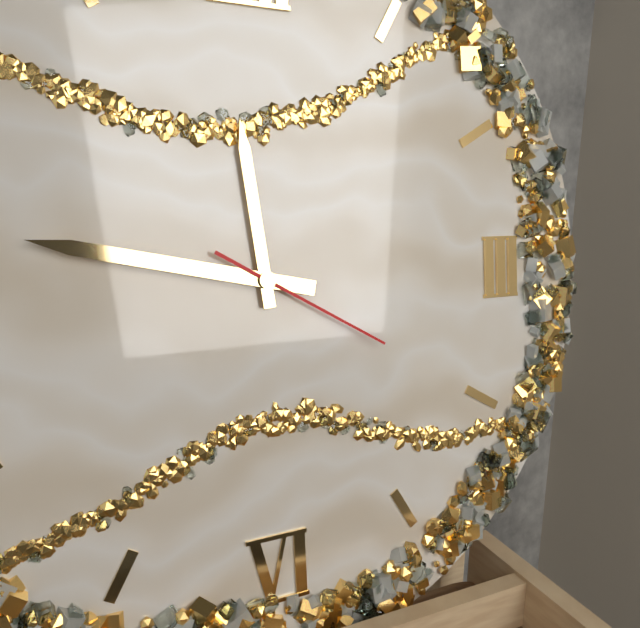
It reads {"hour": 11, "minute": 47, "second": 20}
